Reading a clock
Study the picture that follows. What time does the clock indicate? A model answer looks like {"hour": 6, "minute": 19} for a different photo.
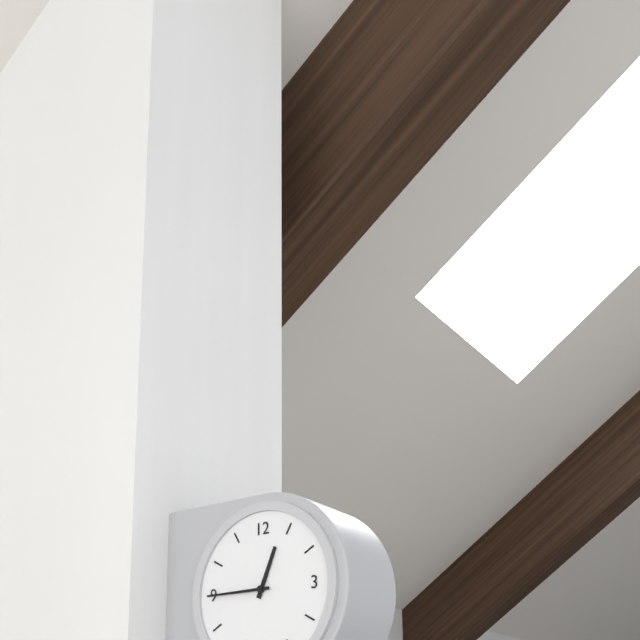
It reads {"hour": 12, "minute": 45}
